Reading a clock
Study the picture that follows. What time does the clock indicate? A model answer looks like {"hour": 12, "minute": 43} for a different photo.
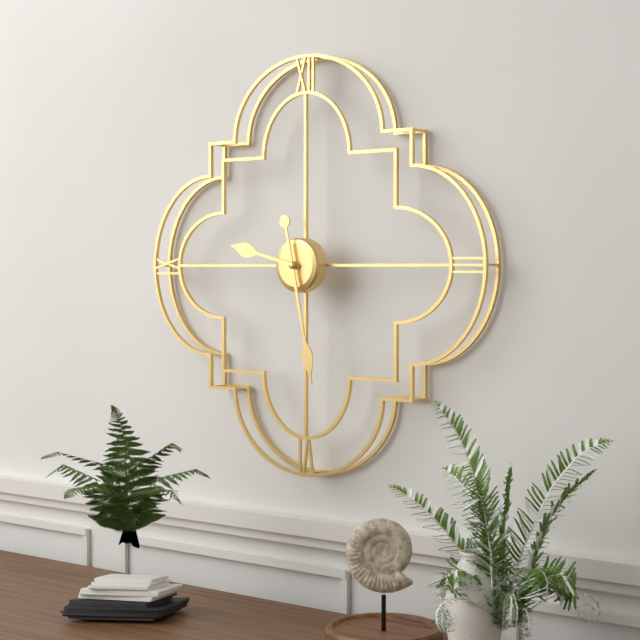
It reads {"hour": 9, "minute": 28}
